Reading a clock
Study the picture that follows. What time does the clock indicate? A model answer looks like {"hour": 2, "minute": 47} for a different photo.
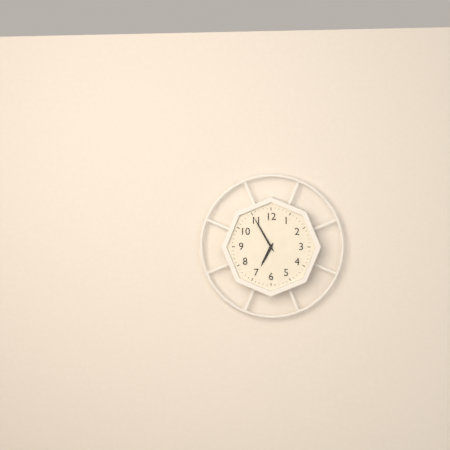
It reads {"hour": 6, "minute": 55}
